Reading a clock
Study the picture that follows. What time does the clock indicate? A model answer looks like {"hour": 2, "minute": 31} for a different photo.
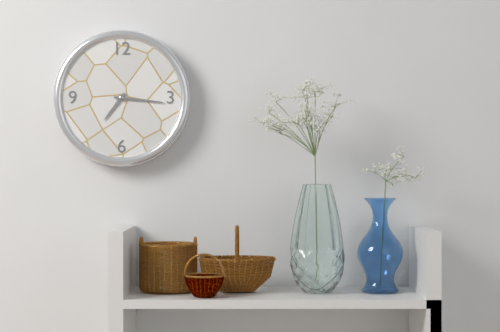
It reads {"hour": 7, "minute": 16}
